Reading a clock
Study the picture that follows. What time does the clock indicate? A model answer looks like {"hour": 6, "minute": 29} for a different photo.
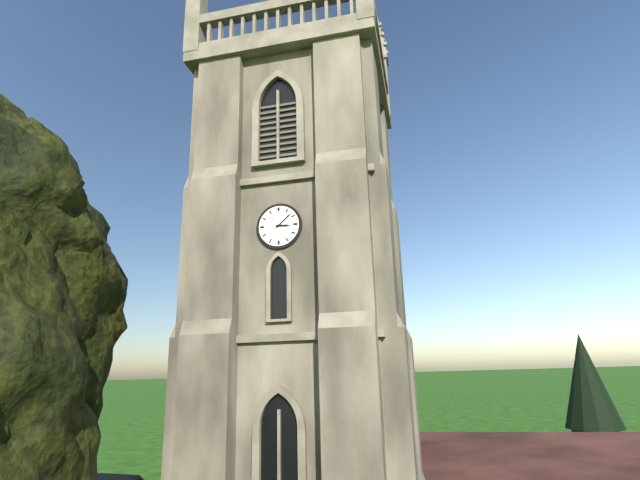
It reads {"hour": 3, "minute": 8}
